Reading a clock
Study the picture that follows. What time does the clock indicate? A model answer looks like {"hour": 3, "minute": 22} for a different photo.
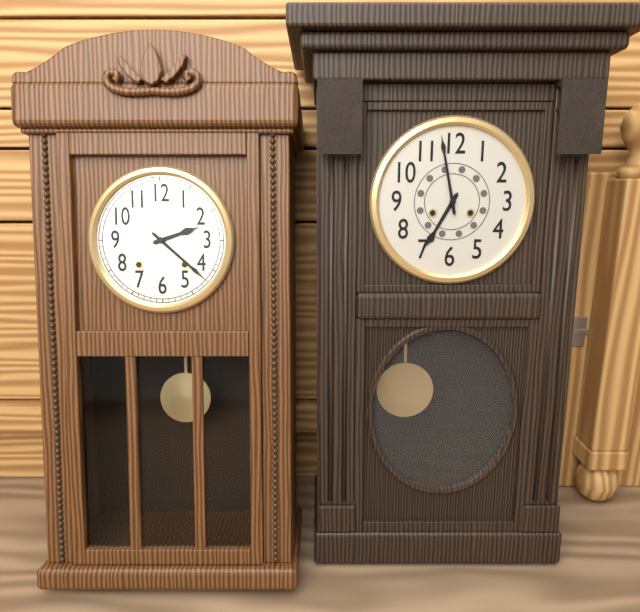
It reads {"hour": 2, "minute": 22}
